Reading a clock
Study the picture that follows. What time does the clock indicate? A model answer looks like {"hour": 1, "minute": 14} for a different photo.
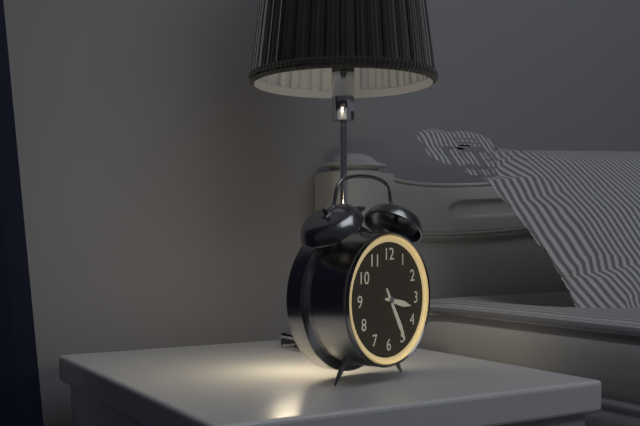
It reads {"hour": 3, "minute": 25}
